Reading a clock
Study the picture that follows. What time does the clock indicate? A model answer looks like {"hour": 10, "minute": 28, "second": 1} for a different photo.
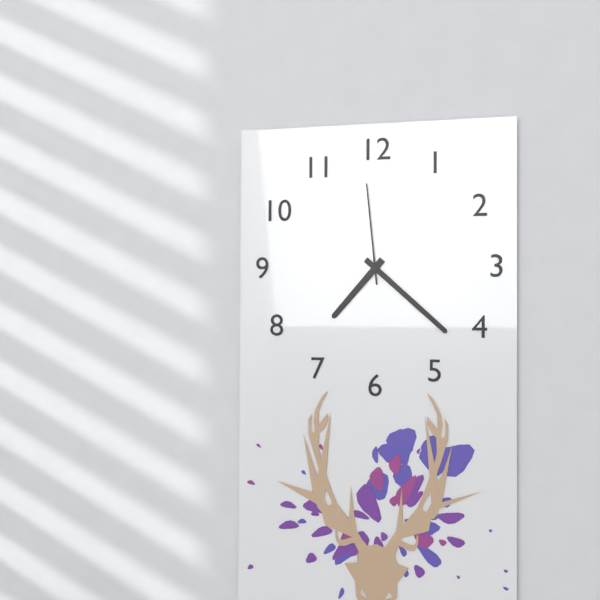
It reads {"hour": 7, "minute": 22, "second": 59}
